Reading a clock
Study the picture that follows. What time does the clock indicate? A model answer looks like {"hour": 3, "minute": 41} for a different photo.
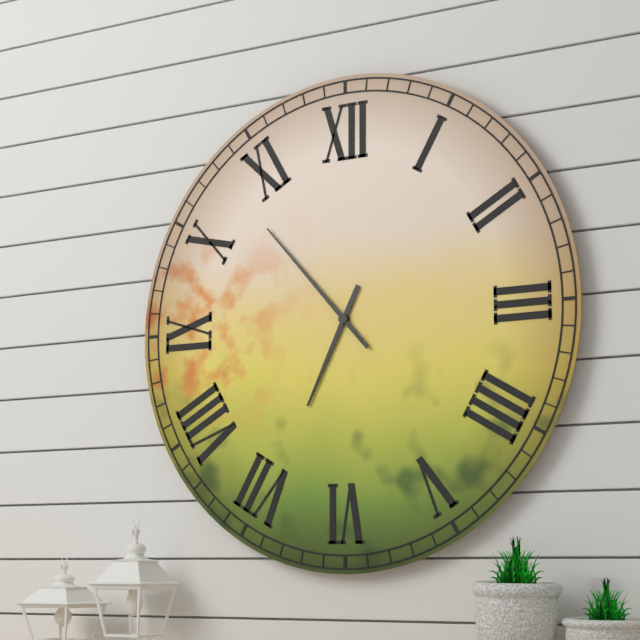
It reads {"hour": 6, "minute": 53}
